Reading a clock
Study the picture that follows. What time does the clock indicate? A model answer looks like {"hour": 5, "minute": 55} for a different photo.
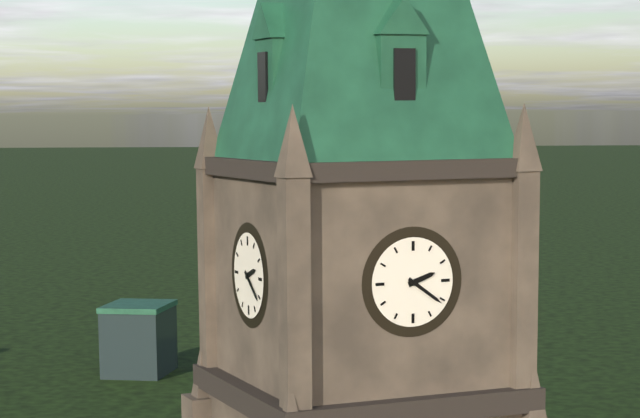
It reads {"hour": 2, "minute": 21}
